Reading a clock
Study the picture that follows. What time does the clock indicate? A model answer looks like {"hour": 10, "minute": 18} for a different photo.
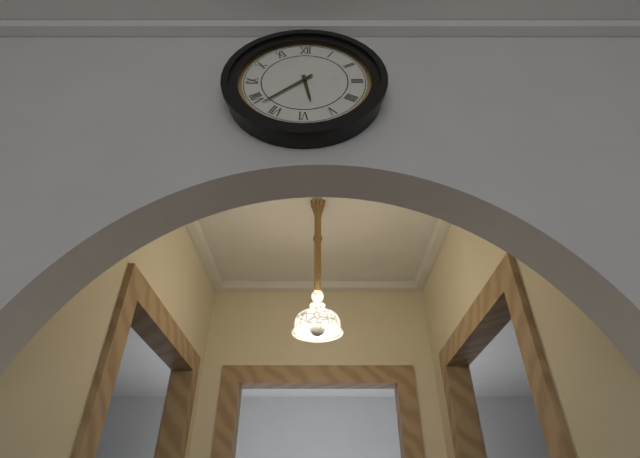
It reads {"hour": 5, "minute": 38}
